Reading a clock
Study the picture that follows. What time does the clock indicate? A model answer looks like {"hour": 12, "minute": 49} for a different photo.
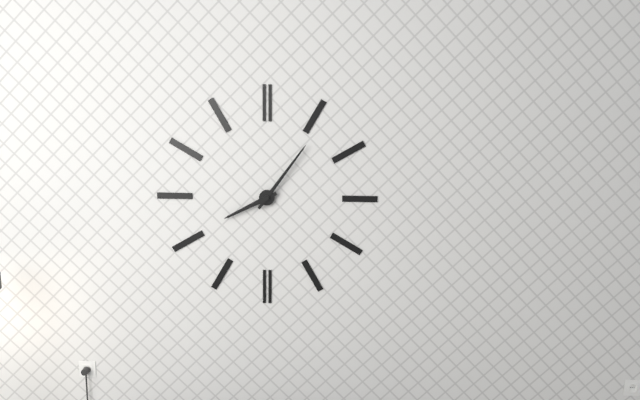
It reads {"hour": 8, "minute": 6}
